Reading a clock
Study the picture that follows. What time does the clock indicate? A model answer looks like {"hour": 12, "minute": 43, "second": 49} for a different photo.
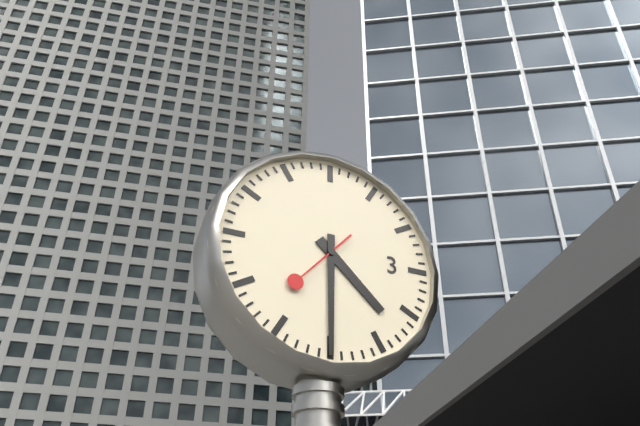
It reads {"hour": 4, "minute": 30, "second": 37}
